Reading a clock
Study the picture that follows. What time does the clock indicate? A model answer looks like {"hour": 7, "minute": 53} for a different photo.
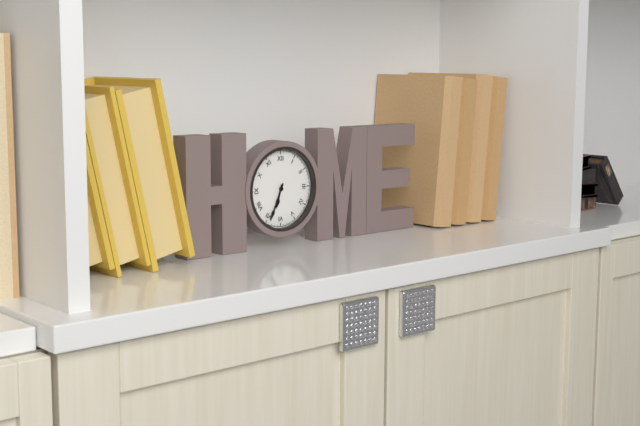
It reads {"hour": 6, "minute": 34}
